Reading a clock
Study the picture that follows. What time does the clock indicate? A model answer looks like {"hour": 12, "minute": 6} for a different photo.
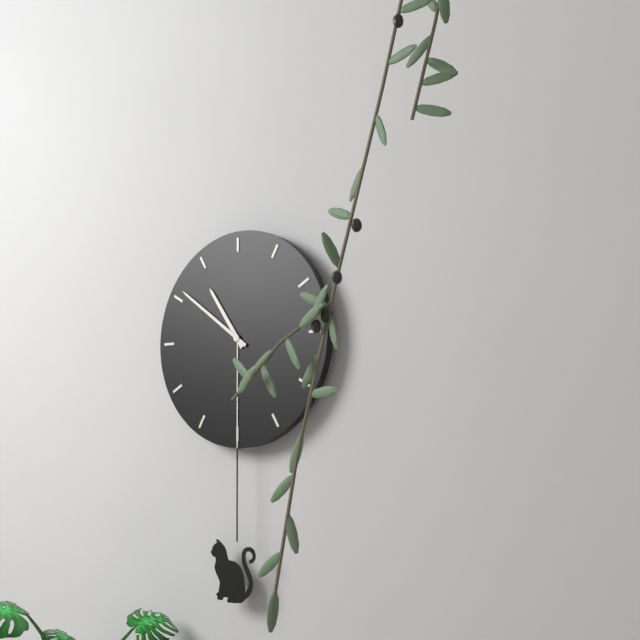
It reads {"hour": 10, "minute": 51}
